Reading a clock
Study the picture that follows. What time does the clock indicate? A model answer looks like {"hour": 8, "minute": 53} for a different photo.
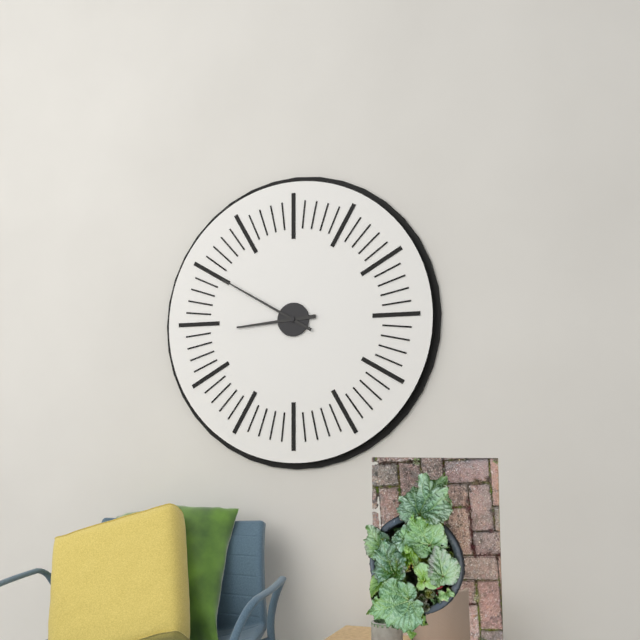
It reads {"hour": 8, "minute": 50}
